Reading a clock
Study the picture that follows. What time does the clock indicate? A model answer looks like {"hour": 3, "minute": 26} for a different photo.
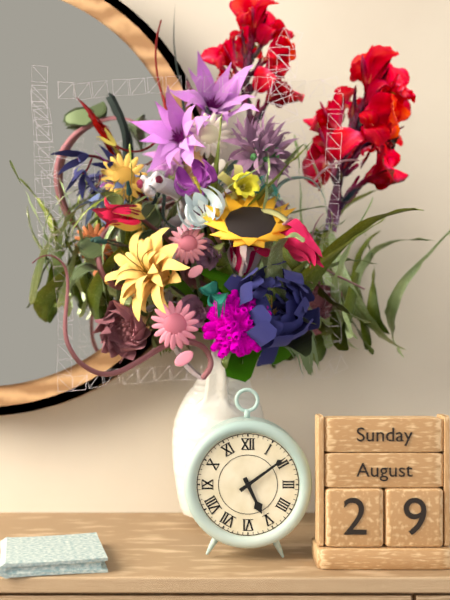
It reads {"hour": 5, "minute": 9}
